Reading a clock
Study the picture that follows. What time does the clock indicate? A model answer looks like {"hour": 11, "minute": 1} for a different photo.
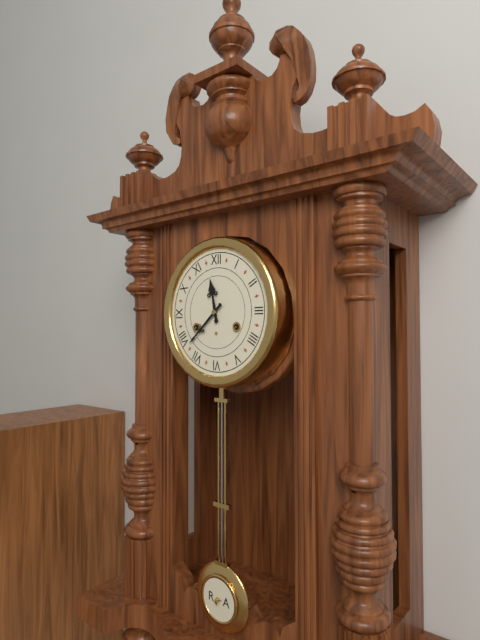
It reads {"hour": 11, "minute": 38}
